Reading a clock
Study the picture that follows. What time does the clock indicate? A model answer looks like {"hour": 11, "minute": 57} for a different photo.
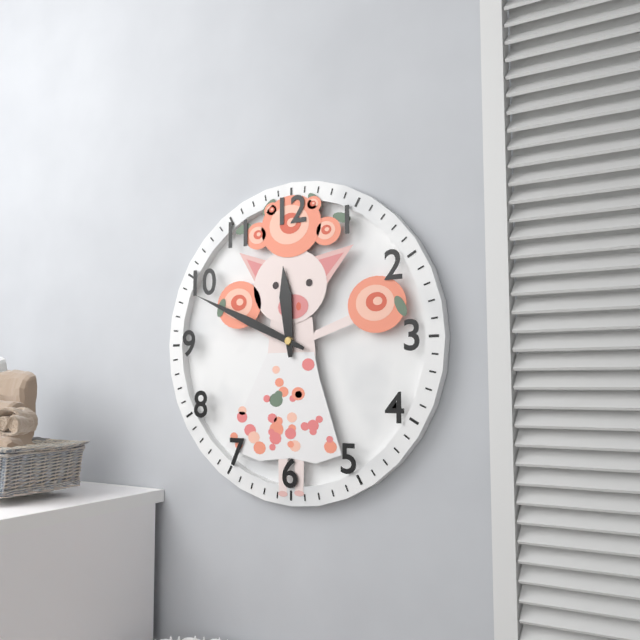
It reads {"hour": 11, "minute": 49}
